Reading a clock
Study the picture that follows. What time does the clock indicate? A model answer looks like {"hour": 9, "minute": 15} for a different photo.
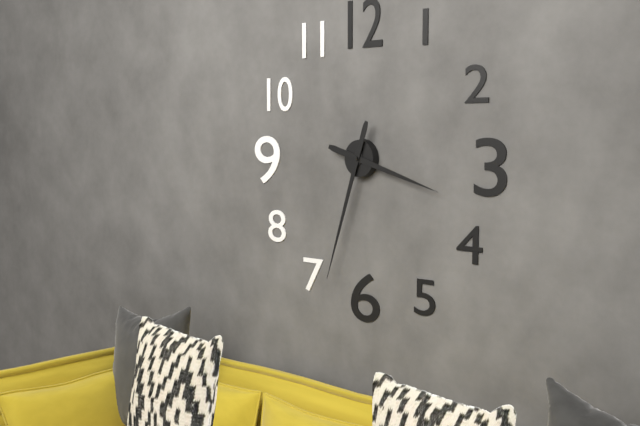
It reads {"hour": 3, "minute": 33}
